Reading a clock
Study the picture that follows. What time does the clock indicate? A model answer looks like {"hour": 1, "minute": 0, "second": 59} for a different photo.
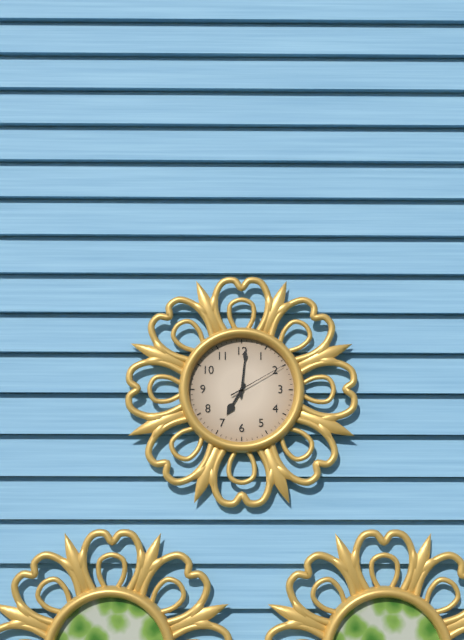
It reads {"hour": 7, "minute": 1, "second": 10}
